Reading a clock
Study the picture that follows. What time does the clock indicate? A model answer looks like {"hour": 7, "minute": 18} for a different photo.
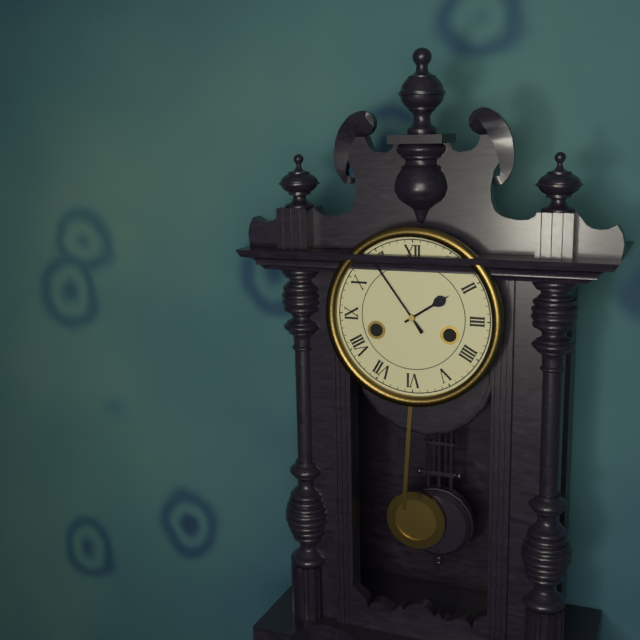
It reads {"hour": 1, "minute": 54}
